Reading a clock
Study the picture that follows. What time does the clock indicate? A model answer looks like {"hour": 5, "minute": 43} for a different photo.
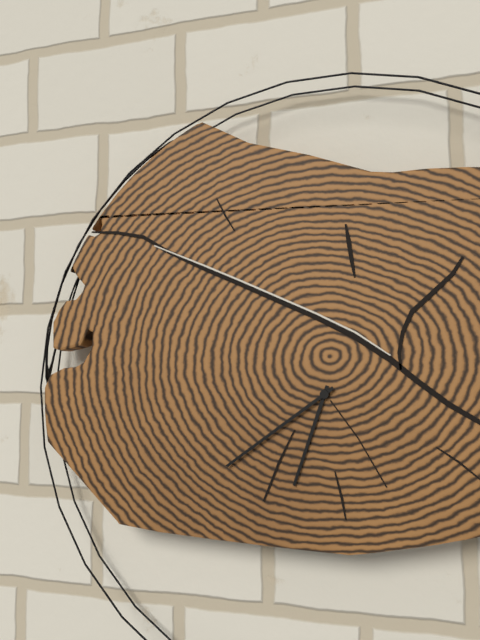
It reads {"hour": 6, "minute": 39}
